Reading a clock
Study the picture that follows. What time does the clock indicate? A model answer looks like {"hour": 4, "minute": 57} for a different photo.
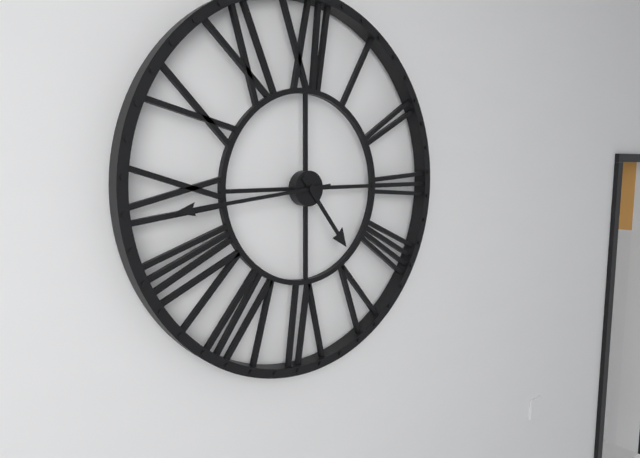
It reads {"hour": 4, "minute": 44}
